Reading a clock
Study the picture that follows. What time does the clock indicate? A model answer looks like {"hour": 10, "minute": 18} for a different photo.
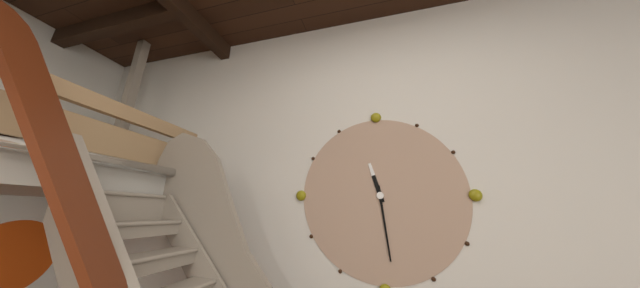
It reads {"hour": 11, "minute": 29}
